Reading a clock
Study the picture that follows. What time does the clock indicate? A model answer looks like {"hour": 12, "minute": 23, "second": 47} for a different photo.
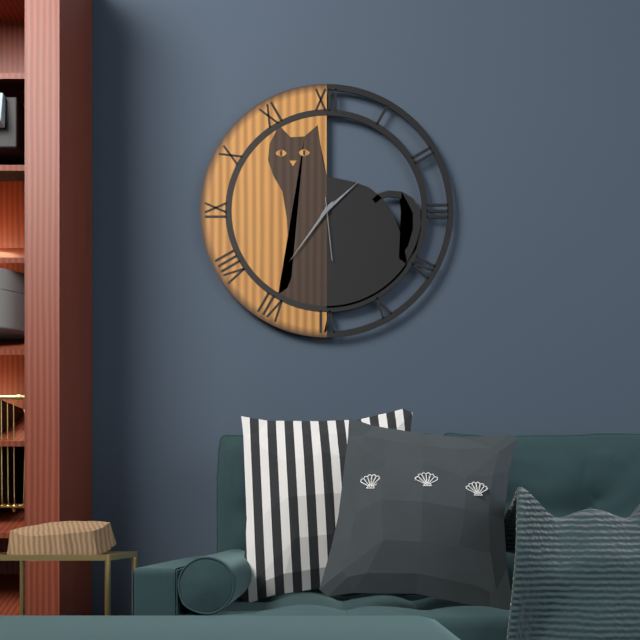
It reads {"hour": 1, "minute": 36, "second": 29}
